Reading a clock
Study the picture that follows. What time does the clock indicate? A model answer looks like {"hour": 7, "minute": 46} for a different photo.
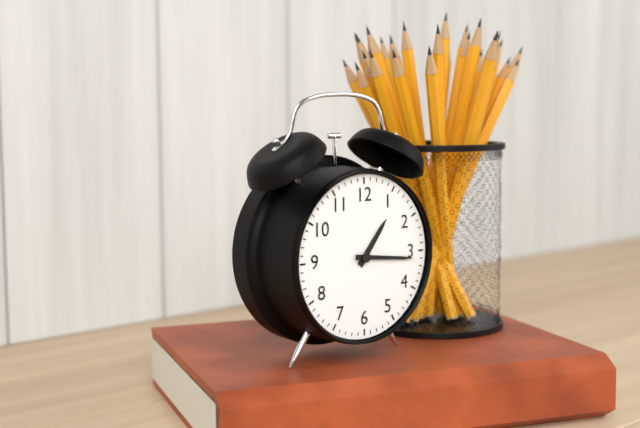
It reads {"hour": 1, "minute": 16}
